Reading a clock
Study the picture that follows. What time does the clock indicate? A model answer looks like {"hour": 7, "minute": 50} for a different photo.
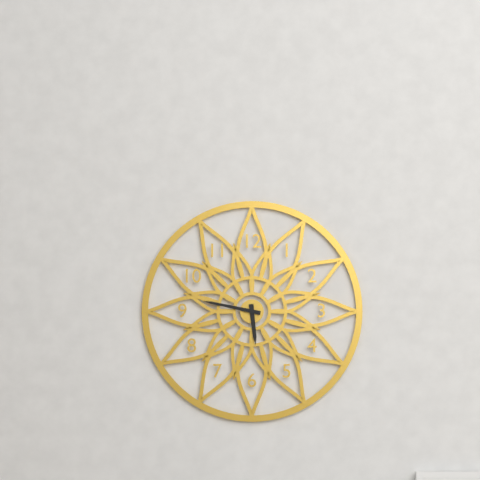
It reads {"hour": 5, "minute": 47}
